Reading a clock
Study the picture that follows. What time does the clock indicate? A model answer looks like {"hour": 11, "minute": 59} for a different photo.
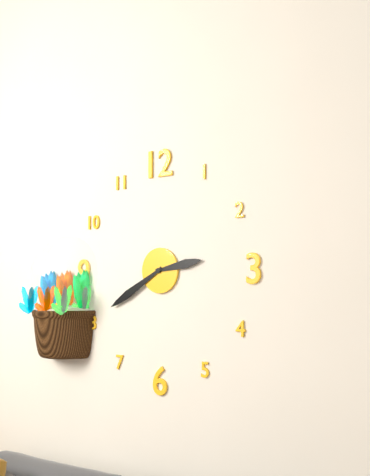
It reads {"hour": 2, "minute": 40}
